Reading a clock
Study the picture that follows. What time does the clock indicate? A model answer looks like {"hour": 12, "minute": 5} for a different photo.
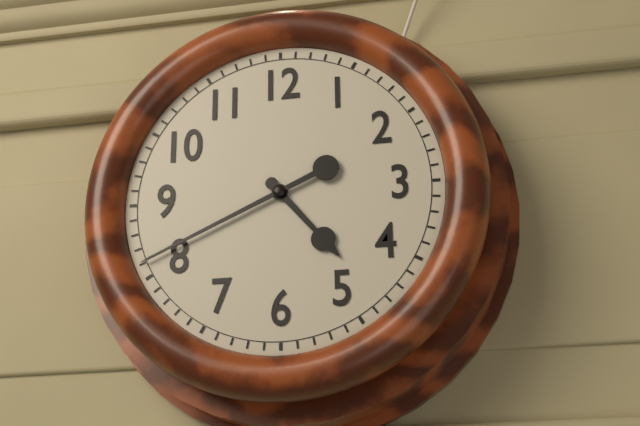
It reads {"hour": 4, "minute": 41}
